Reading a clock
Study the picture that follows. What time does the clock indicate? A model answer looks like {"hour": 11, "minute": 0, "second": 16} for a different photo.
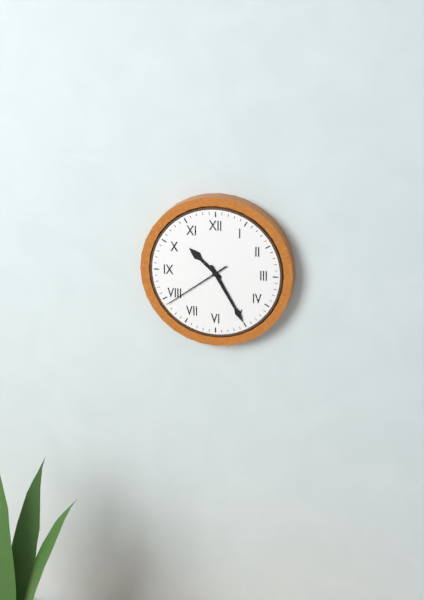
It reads {"hour": 10, "minute": 25, "second": 39}
